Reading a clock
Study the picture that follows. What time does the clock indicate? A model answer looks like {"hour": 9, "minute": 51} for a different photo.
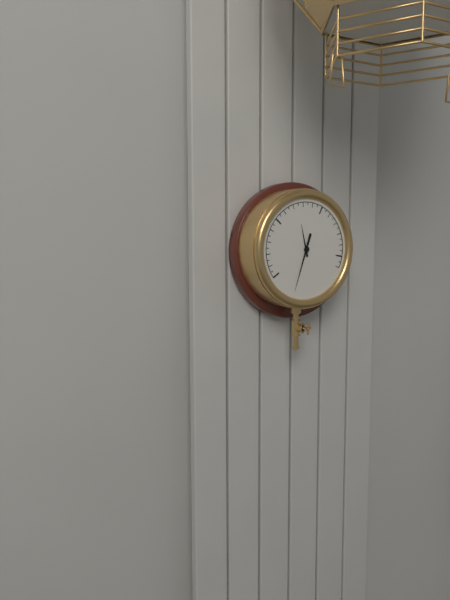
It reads {"hour": 11, "minute": 33}
